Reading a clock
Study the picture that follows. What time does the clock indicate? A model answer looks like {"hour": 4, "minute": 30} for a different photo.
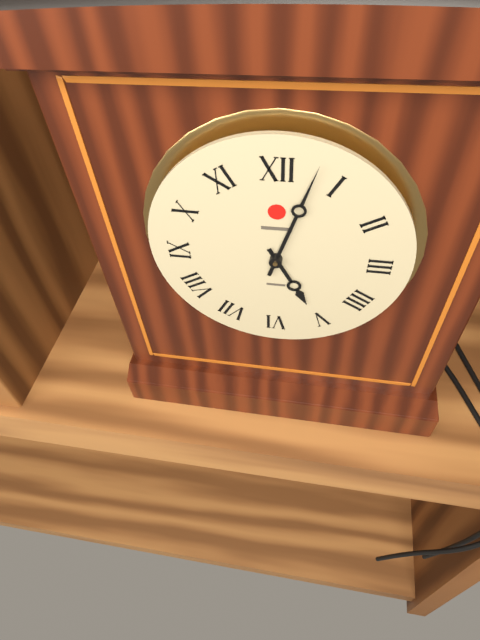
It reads {"hour": 5, "minute": 3}
